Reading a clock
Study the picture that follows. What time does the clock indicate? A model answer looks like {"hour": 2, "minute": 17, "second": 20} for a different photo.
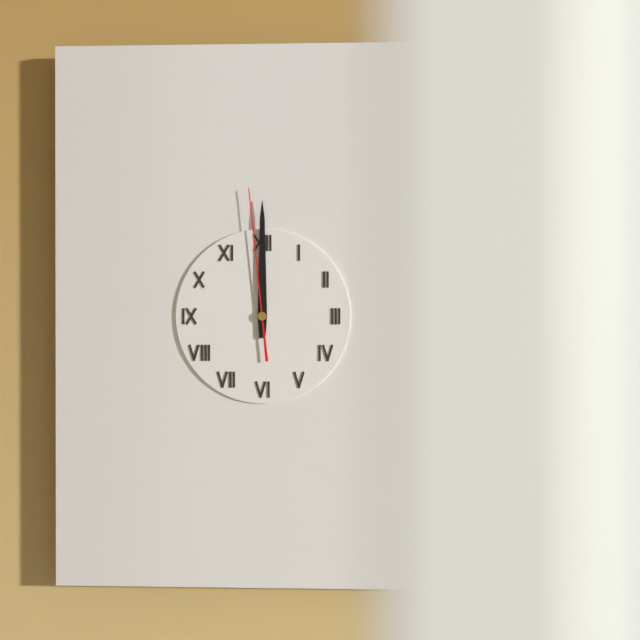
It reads {"hour": 12, "minute": 0, "second": 59}
